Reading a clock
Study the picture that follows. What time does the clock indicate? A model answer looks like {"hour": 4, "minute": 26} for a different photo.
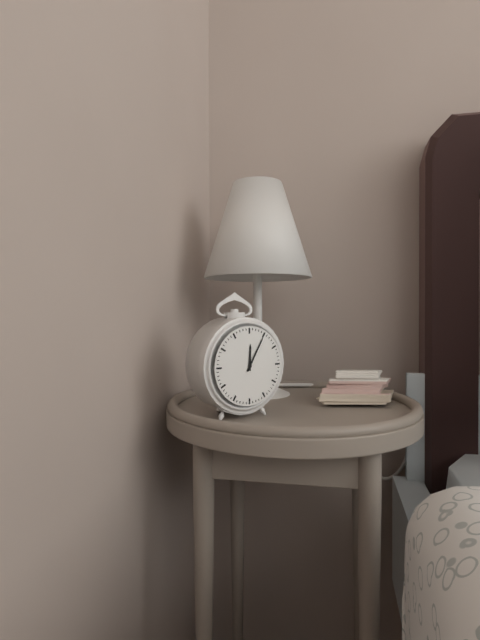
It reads {"hour": 12, "minute": 5}
